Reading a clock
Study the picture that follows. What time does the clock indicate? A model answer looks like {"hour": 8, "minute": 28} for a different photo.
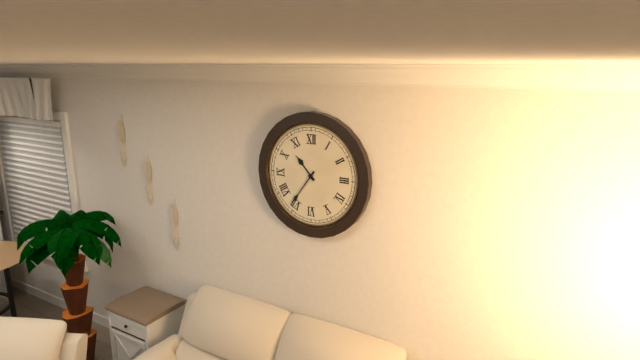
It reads {"hour": 10, "minute": 36}
